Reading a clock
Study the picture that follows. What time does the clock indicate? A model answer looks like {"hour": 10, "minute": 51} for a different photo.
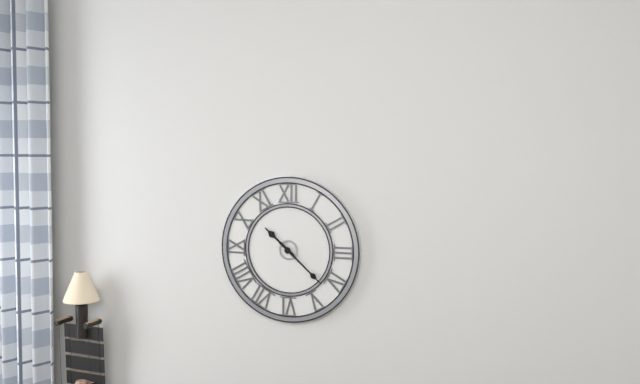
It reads {"hour": 10, "minute": 22}
